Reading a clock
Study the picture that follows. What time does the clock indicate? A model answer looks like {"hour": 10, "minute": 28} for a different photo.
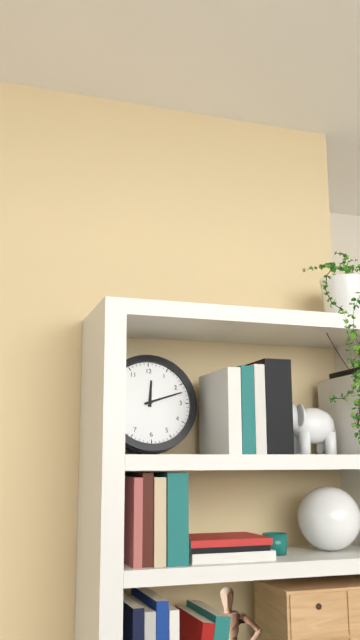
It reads {"hour": 12, "minute": 12}
